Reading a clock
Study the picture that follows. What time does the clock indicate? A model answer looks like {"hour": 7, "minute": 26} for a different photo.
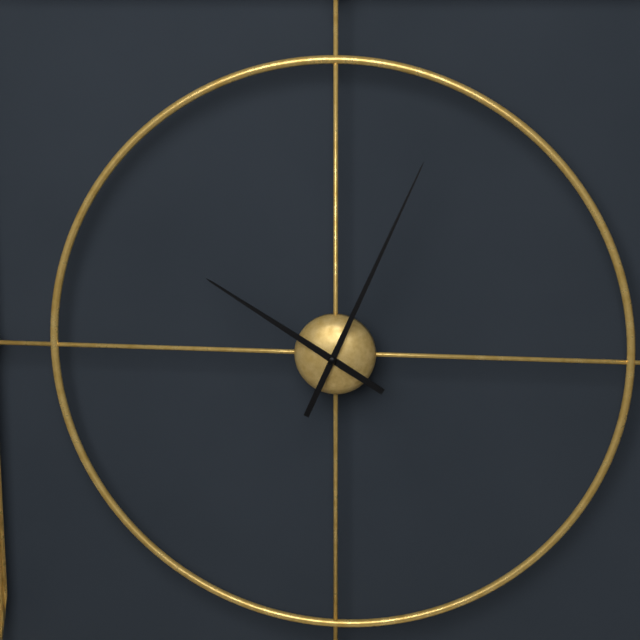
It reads {"hour": 10, "minute": 4}
